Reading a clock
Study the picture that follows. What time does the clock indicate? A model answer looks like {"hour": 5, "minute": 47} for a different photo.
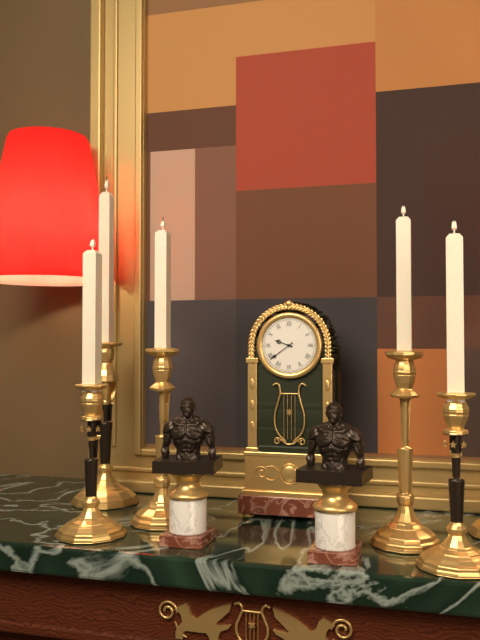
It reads {"hour": 9, "minute": 39}
